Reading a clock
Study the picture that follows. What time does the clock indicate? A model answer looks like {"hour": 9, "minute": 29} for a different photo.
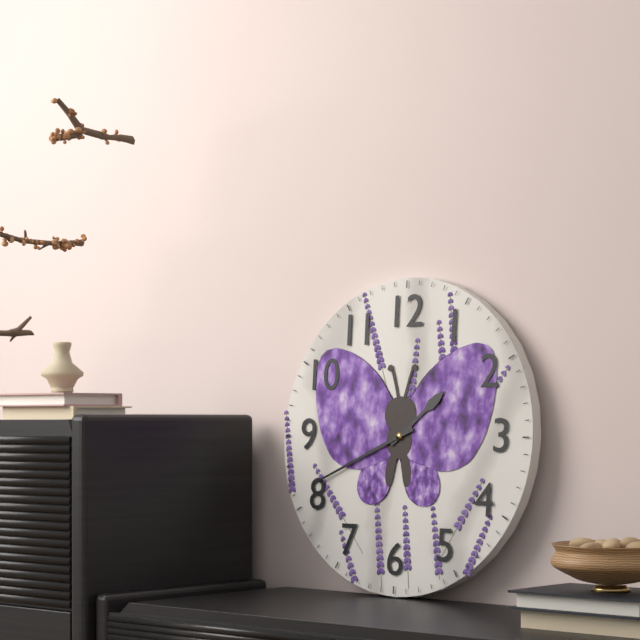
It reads {"hour": 1, "minute": 41}
